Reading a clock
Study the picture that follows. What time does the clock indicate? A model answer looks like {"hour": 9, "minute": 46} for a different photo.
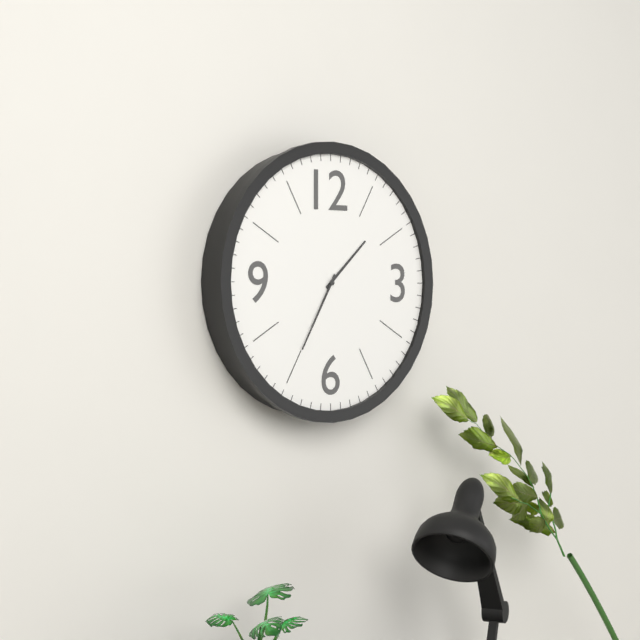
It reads {"hour": 1, "minute": 35}
